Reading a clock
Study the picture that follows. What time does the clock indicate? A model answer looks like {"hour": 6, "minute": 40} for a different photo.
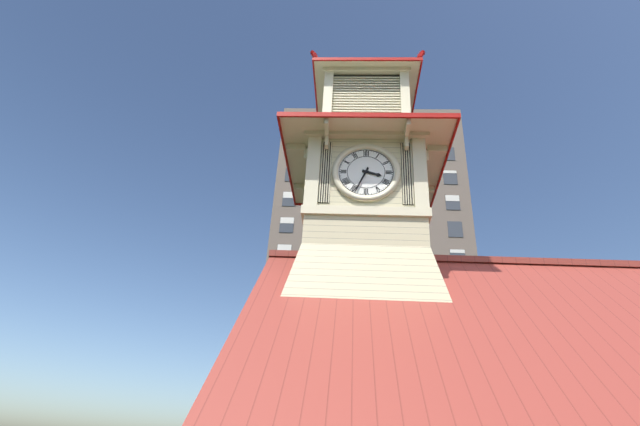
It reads {"hour": 3, "minute": 34}
